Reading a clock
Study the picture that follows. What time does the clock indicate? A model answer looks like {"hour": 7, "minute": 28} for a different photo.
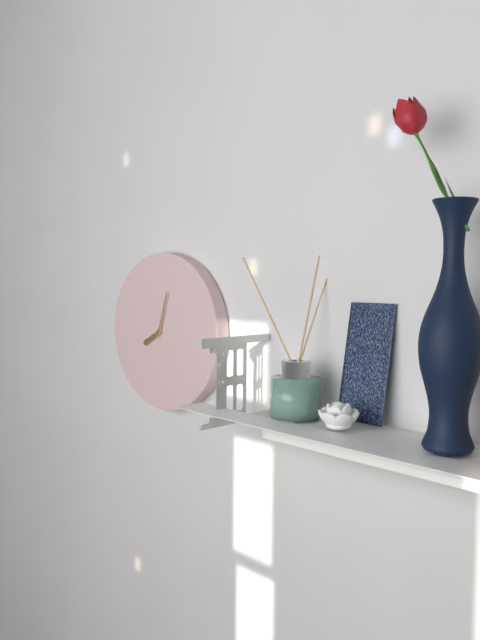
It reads {"hour": 8, "minute": 3}
